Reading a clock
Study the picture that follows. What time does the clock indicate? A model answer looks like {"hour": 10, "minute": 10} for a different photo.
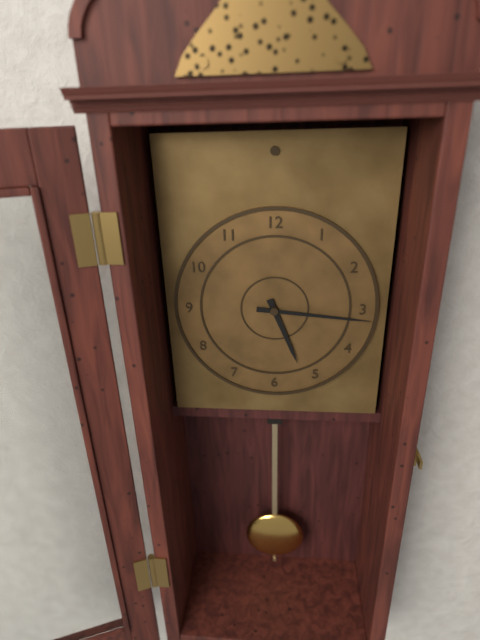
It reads {"hour": 5, "minute": 16}
